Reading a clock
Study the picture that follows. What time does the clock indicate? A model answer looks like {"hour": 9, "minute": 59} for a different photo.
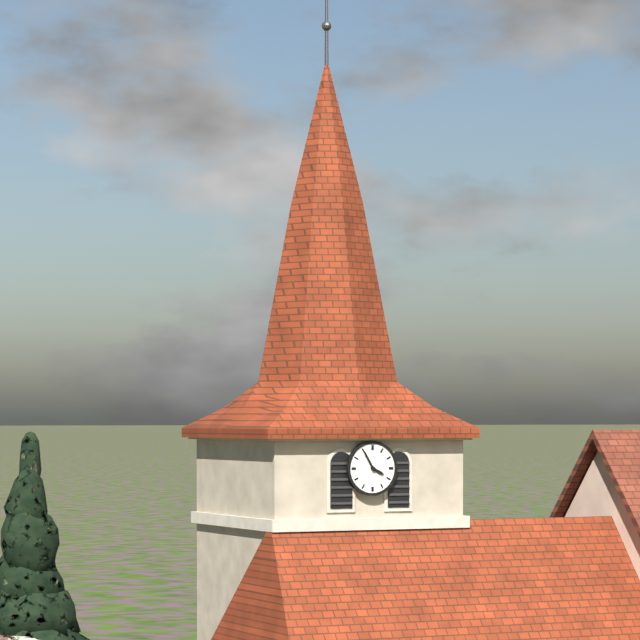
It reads {"hour": 3, "minute": 55}
